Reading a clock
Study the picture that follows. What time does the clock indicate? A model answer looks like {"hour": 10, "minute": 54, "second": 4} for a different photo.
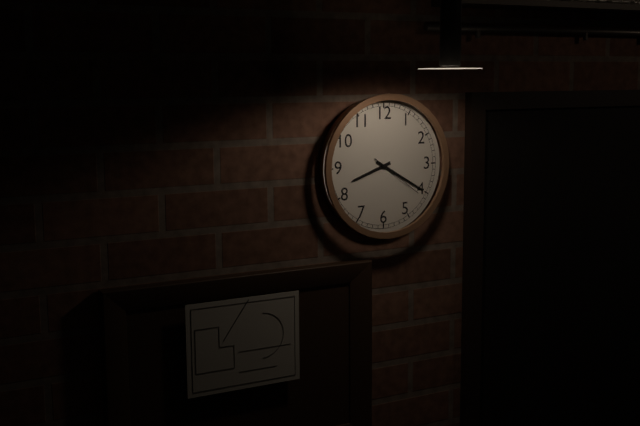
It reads {"hour": 8, "minute": 20, "second": 21}
